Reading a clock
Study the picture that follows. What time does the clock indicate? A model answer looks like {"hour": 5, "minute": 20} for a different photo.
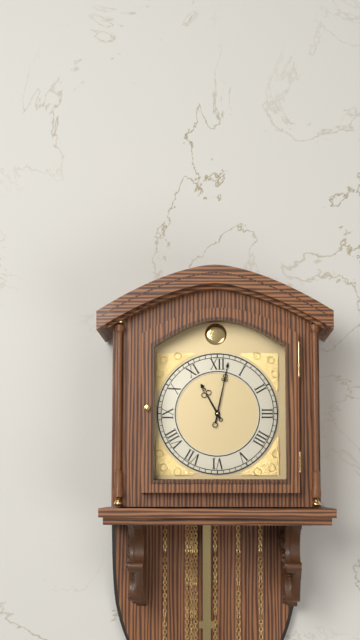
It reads {"hour": 11, "minute": 2}
